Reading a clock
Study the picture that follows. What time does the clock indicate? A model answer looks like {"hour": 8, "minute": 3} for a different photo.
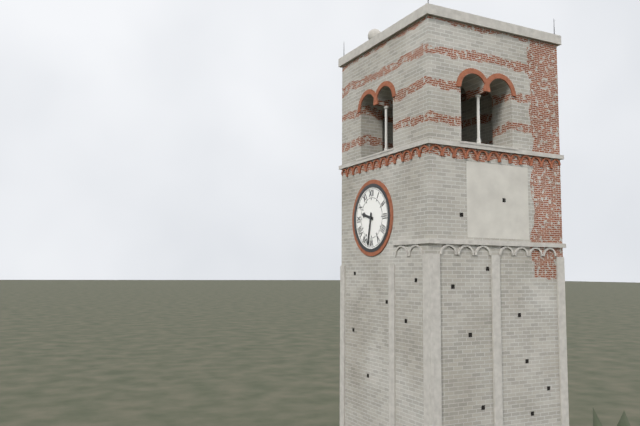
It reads {"hour": 9, "minute": 32}
